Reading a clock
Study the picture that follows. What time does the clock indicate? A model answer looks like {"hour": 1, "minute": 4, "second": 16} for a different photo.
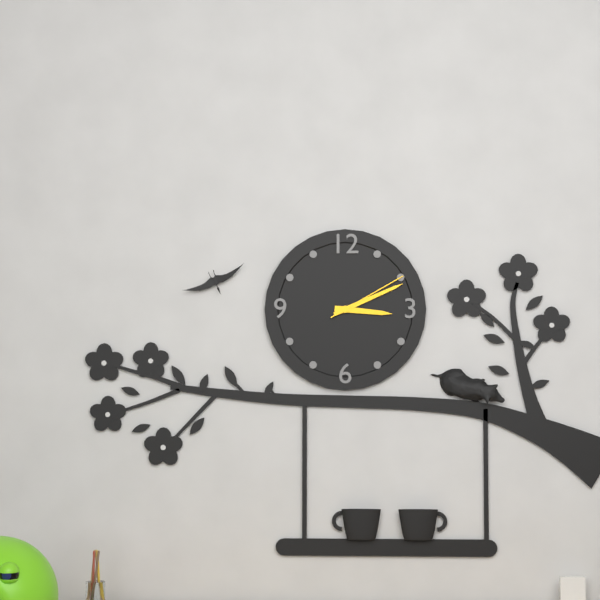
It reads {"hour": 3, "minute": 11, "second": 10}
